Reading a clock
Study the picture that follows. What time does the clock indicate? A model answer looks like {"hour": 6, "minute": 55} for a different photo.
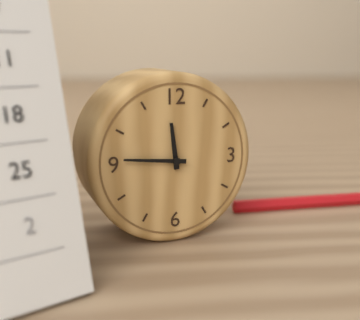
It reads {"hour": 11, "minute": 46}
